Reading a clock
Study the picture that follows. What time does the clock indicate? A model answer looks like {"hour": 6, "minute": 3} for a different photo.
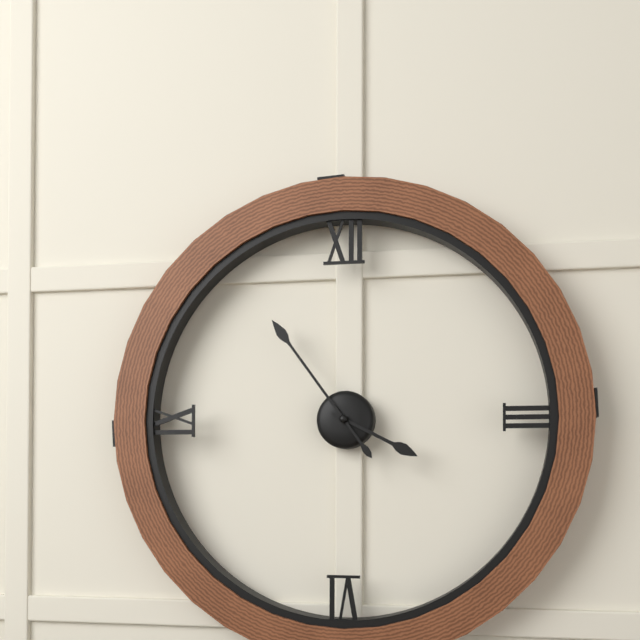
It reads {"hour": 3, "minute": 54}
